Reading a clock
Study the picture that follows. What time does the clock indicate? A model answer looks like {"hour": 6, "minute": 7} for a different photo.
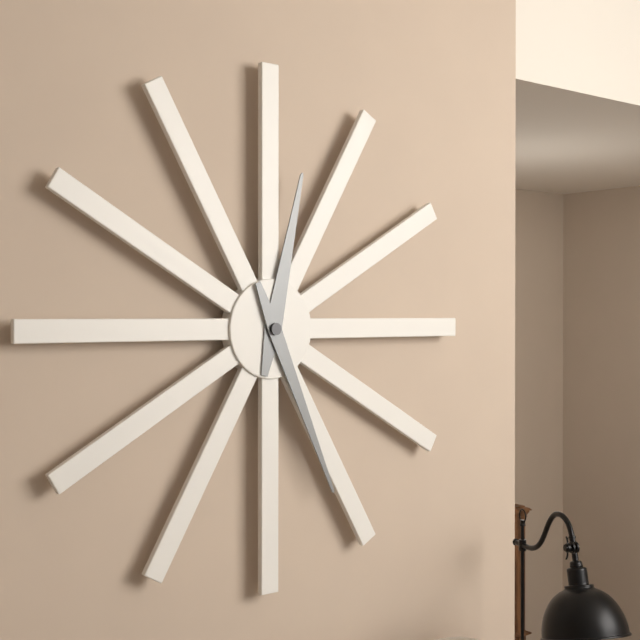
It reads {"hour": 12, "minute": 26}
